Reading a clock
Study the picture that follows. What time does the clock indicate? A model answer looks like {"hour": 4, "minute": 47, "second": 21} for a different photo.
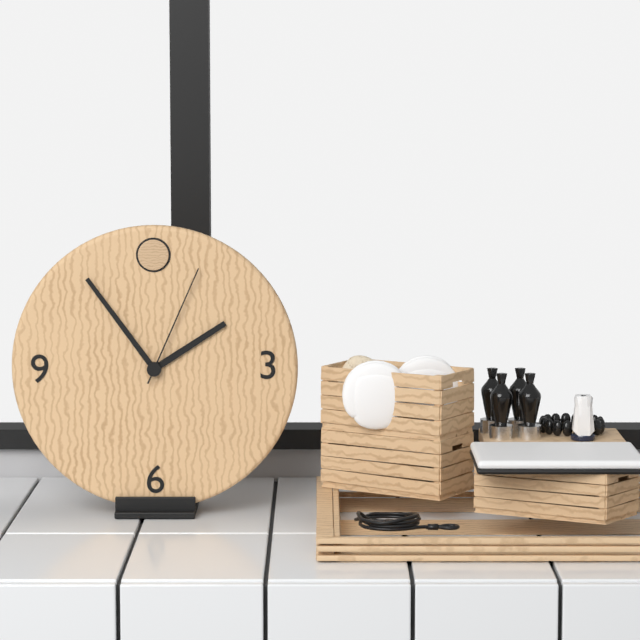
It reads {"hour": 1, "minute": 54, "second": 4}
